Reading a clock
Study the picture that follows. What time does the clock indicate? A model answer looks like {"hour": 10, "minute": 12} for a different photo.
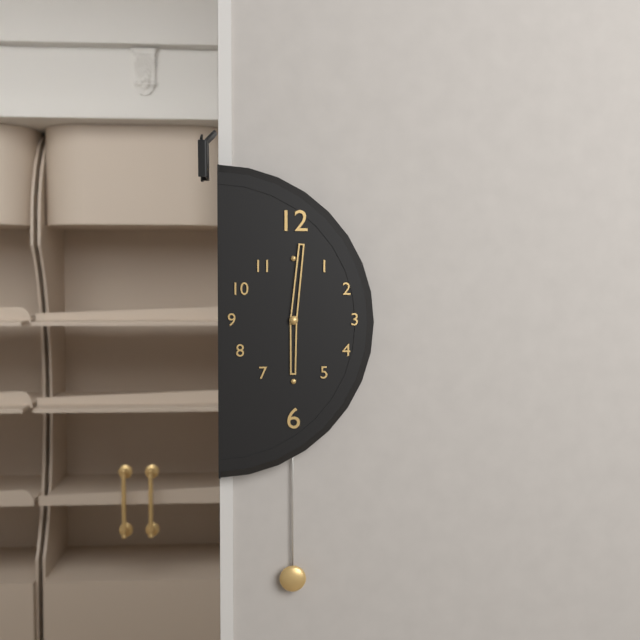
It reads {"hour": 6, "minute": 1}
